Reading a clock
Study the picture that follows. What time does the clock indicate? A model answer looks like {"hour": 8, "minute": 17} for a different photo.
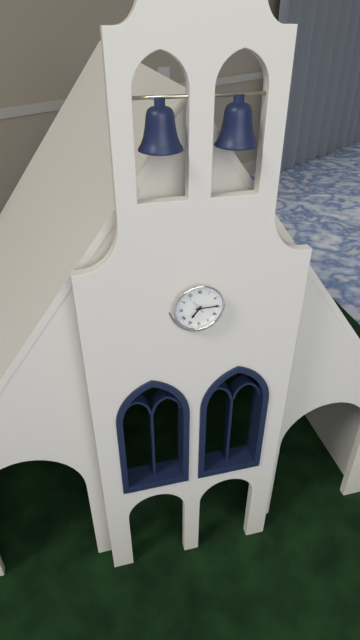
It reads {"hour": 7, "minute": 15}
